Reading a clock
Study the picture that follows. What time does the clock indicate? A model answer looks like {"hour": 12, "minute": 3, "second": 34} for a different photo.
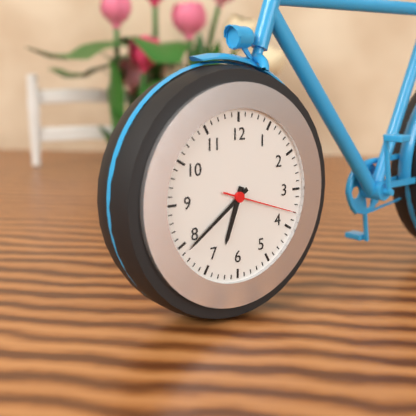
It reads {"hour": 6, "minute": 39, "second": 18}
